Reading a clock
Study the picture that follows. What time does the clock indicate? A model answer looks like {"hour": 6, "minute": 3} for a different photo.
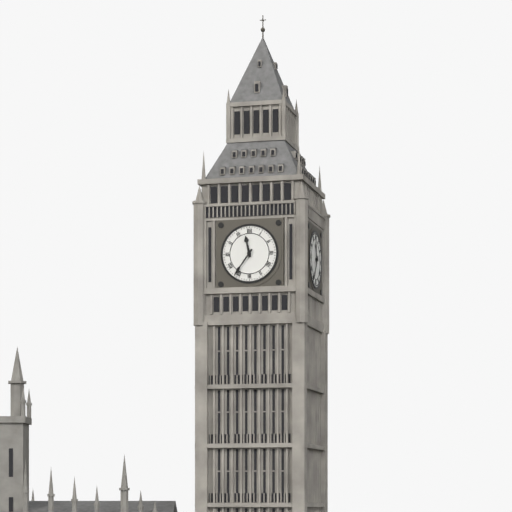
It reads {"hour": 11, "minute": 36}
